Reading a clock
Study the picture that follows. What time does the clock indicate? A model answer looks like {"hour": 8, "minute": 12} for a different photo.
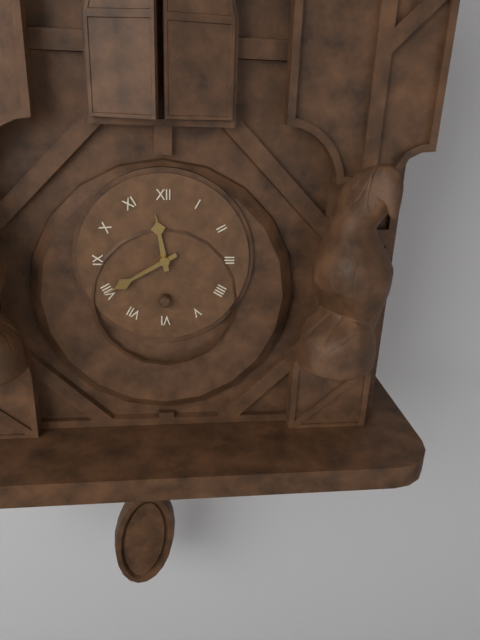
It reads {"hour": 11, "minute": 40}
